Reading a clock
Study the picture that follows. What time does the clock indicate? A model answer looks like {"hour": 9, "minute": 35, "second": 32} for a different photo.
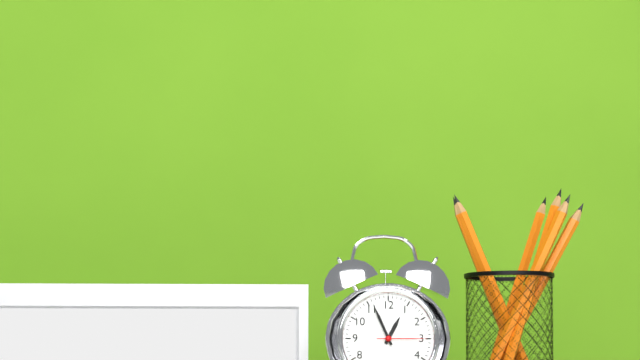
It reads {"hour": 12, "minute": 56, "second": 15}
